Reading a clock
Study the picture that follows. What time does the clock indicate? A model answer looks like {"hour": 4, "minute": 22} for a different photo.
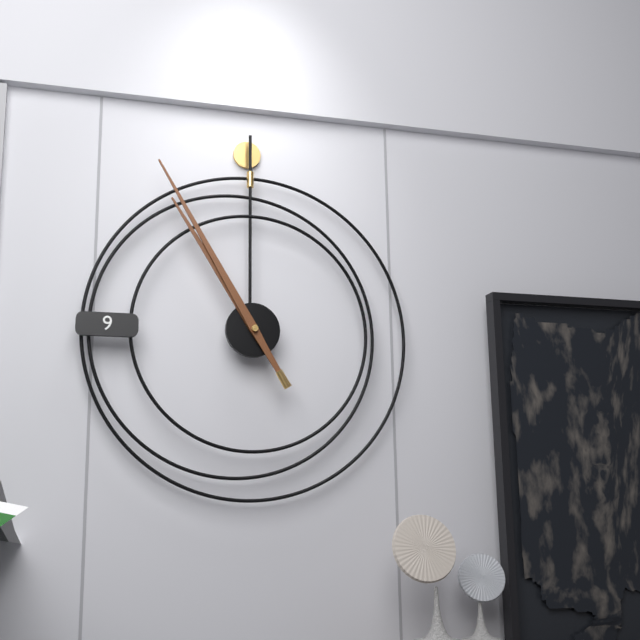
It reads {"hour": 10, "minute": 55}
